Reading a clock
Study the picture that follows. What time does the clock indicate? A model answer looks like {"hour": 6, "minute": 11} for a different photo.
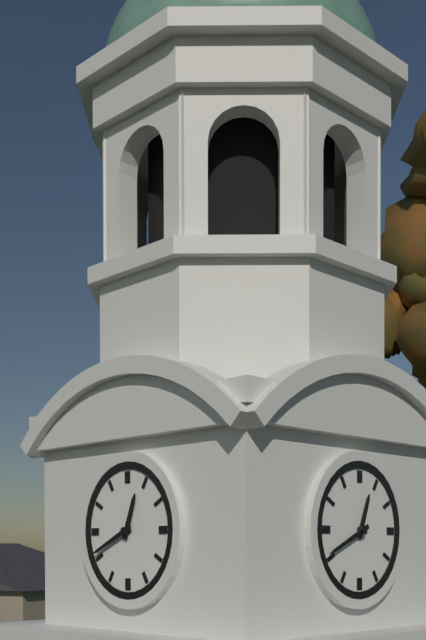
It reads {"hour": 12, "minute": 41}
